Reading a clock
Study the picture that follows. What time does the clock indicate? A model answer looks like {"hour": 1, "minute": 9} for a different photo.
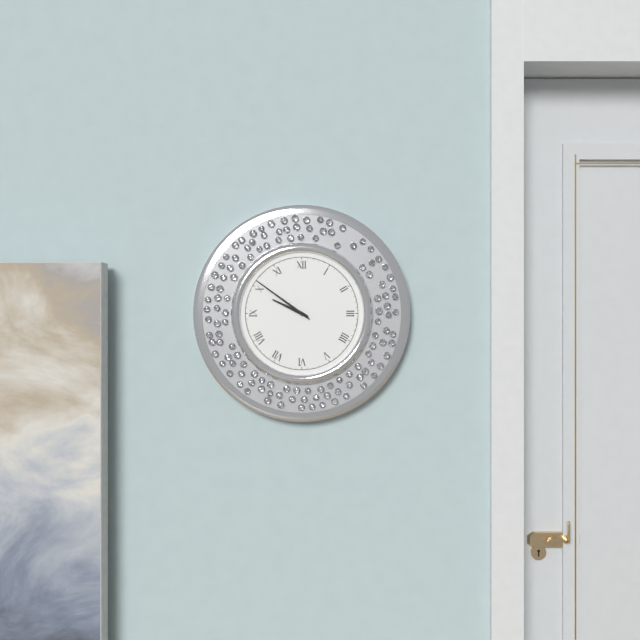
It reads {"hour": 9, "minute": 51}
